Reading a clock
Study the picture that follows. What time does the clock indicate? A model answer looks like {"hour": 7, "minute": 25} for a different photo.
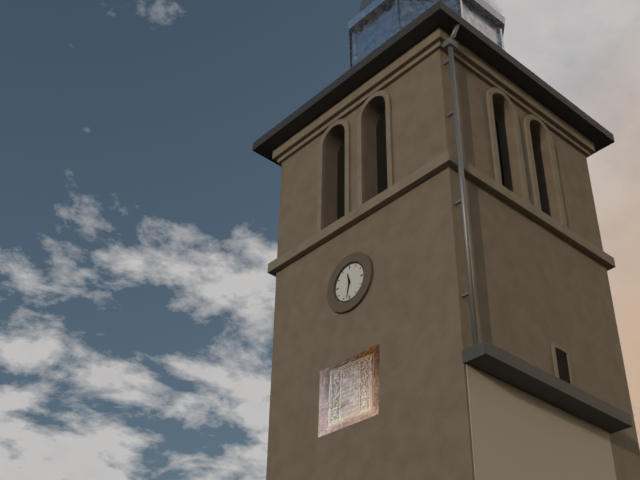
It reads {"hour": 11, "minute": 32}
